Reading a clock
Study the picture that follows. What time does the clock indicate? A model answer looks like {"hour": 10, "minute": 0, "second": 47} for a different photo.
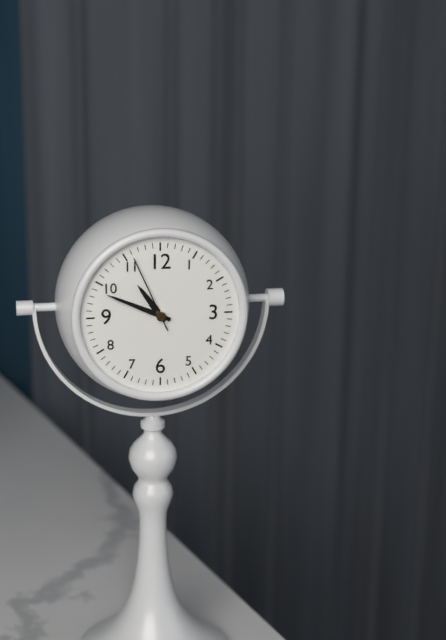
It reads {"hour": 10, "minute": 49, "second": 56}
